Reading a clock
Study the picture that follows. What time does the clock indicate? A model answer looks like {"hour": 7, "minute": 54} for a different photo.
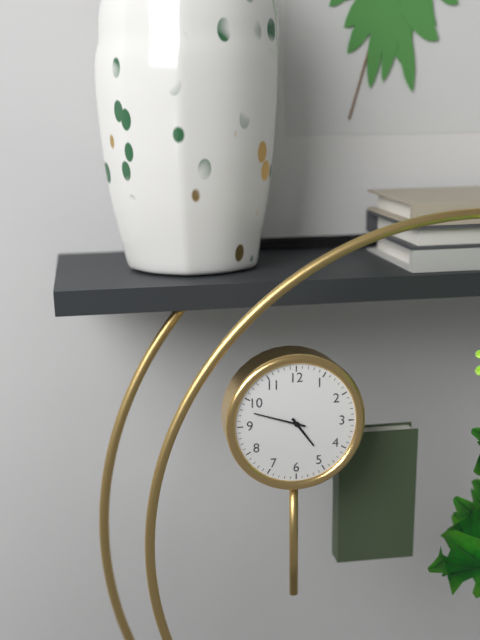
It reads {"hour": 4, "minute": 48}
